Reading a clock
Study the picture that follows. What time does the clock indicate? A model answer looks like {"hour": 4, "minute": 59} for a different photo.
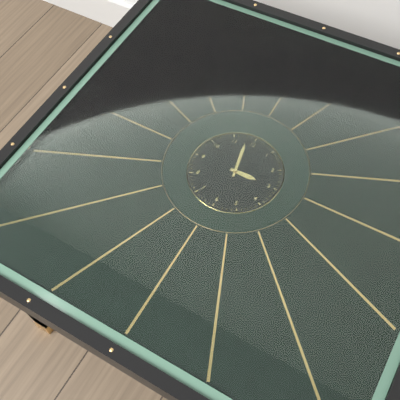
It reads {"hour": 2, "minute": 58}
